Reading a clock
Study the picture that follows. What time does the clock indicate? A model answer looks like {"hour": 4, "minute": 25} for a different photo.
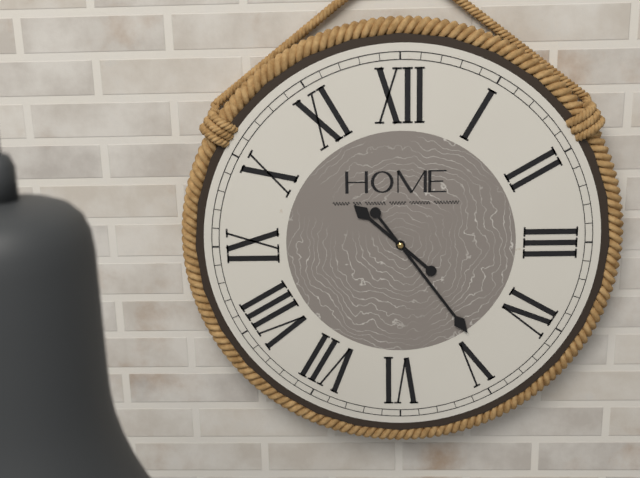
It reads {"hour": 10, "minute": 24}
